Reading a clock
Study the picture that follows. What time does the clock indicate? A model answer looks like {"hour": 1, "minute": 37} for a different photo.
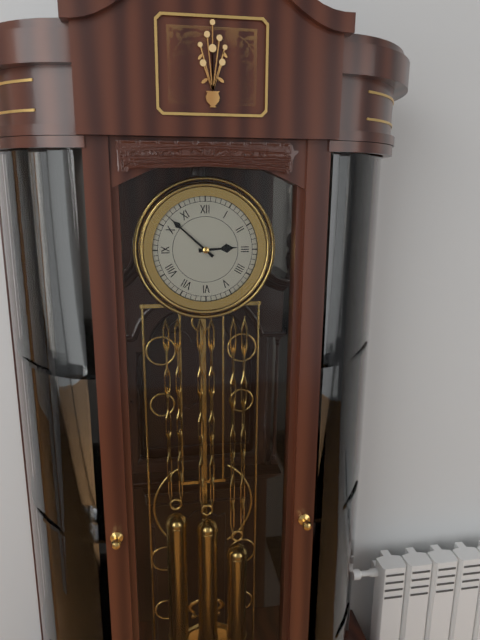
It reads {"hour": 2, "minute": 52}
